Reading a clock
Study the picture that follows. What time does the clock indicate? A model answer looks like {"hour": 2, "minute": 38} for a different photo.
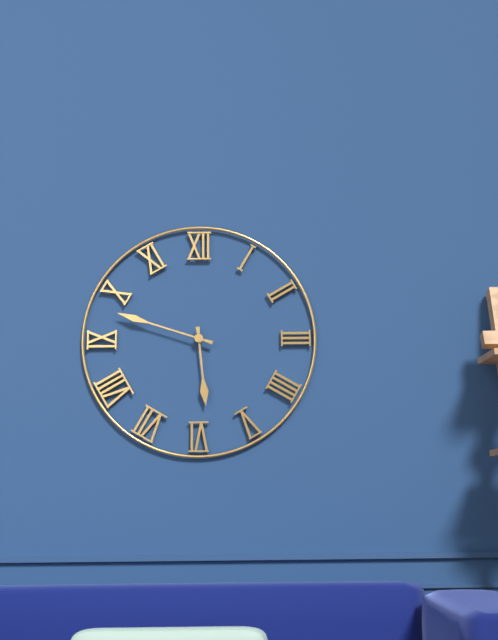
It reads {"hour": 5, "minute": 48}
